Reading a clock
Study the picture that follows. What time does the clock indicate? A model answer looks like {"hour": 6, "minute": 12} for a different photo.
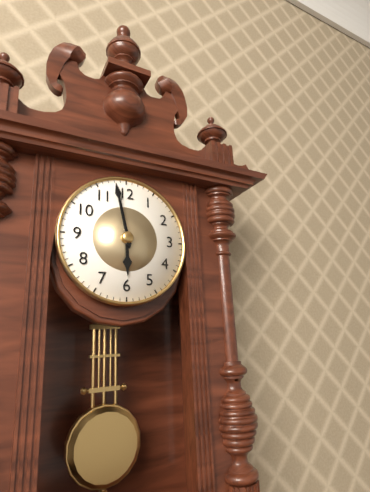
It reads {"hour": 5, "minute": 58}
